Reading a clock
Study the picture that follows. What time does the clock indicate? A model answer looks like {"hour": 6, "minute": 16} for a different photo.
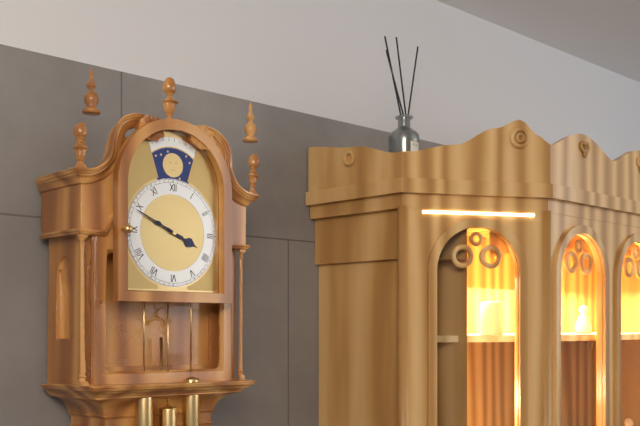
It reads {"hour": 3, "minute": 49}
